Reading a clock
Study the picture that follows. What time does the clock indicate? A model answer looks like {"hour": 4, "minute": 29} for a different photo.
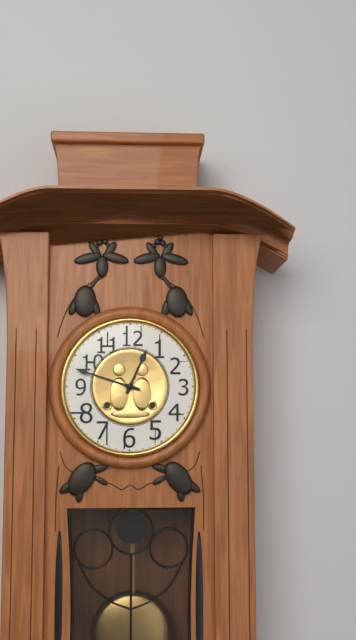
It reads {"hour": 12, "minute": 48}
